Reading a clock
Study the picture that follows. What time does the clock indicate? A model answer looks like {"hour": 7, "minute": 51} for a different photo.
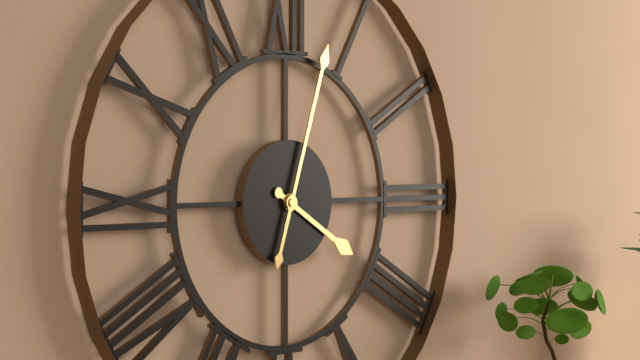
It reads {"hour": 4, "minute": 3}
